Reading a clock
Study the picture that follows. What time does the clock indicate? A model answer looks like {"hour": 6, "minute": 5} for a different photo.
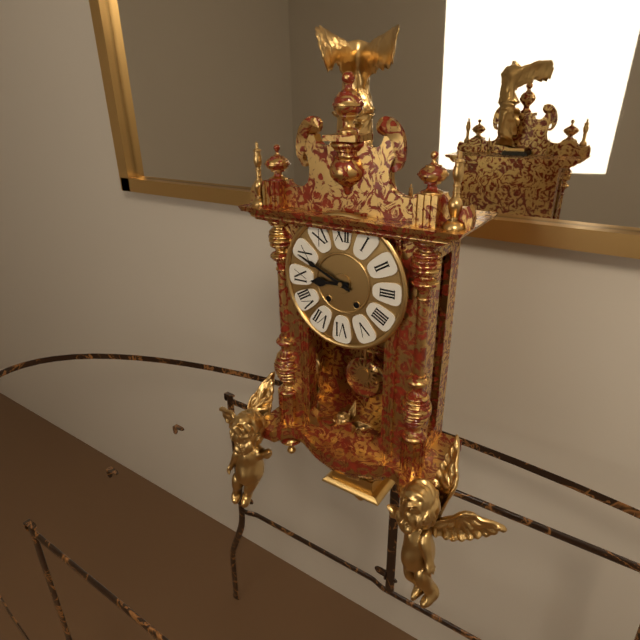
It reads {"hour": 8, "minute": 49}
